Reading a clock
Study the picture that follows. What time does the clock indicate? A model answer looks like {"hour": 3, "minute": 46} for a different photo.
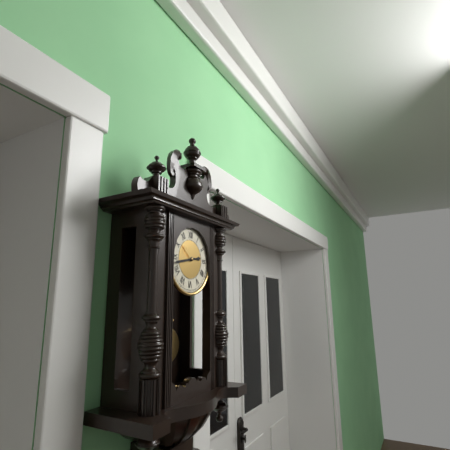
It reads {"hour": 2, "minute": 43}
